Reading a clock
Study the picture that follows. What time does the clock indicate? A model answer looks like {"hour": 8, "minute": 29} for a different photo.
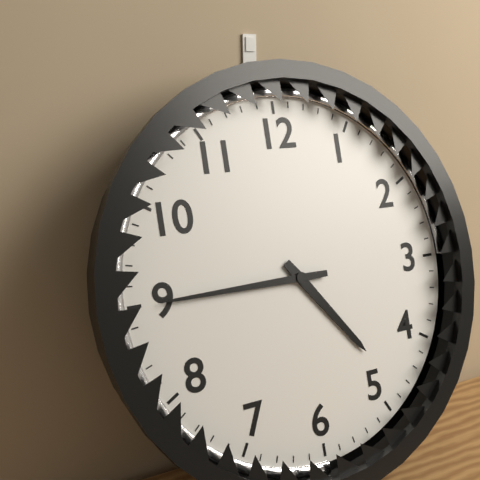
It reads {"hour": 4, "minute": 45}
